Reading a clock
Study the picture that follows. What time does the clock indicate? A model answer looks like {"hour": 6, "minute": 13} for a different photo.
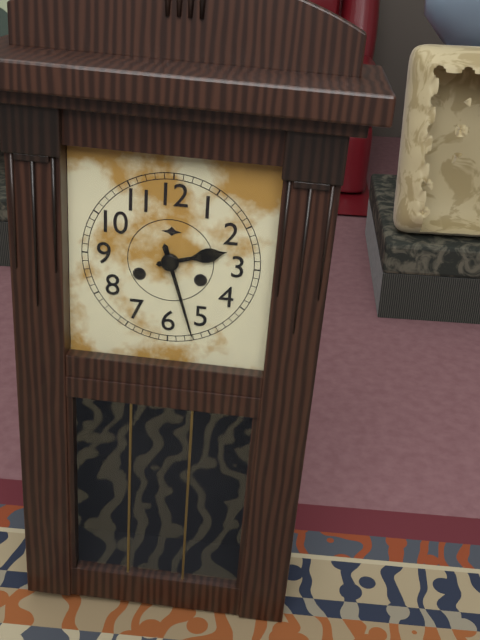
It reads {"hour": 2, "minute": 27}
